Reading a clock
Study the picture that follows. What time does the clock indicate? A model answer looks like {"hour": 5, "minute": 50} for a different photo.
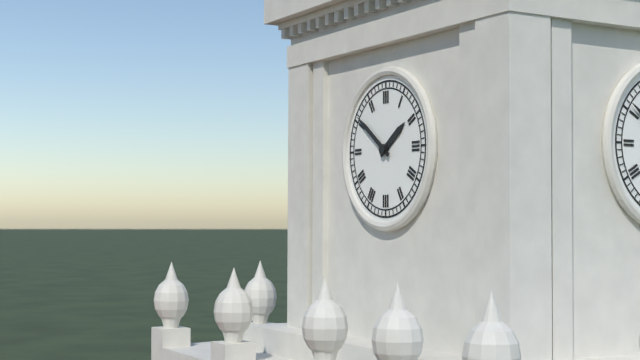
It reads {"hour": 1, "minute": 51}
